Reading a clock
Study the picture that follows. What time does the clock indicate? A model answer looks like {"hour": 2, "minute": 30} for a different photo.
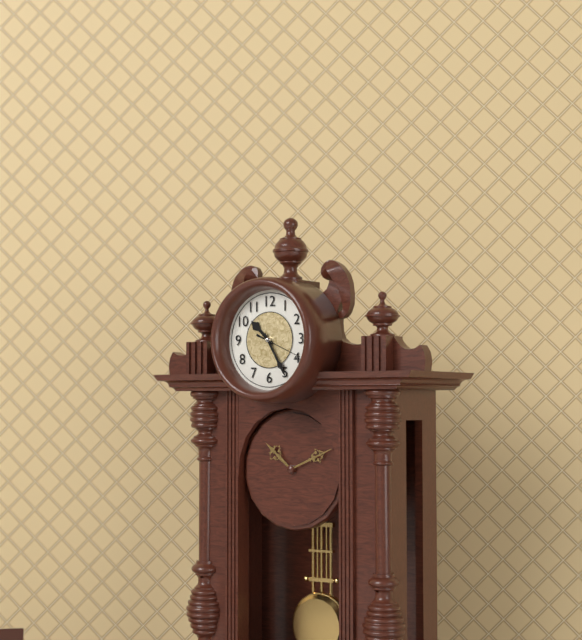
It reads {"hour": 10, "minute": 25}
